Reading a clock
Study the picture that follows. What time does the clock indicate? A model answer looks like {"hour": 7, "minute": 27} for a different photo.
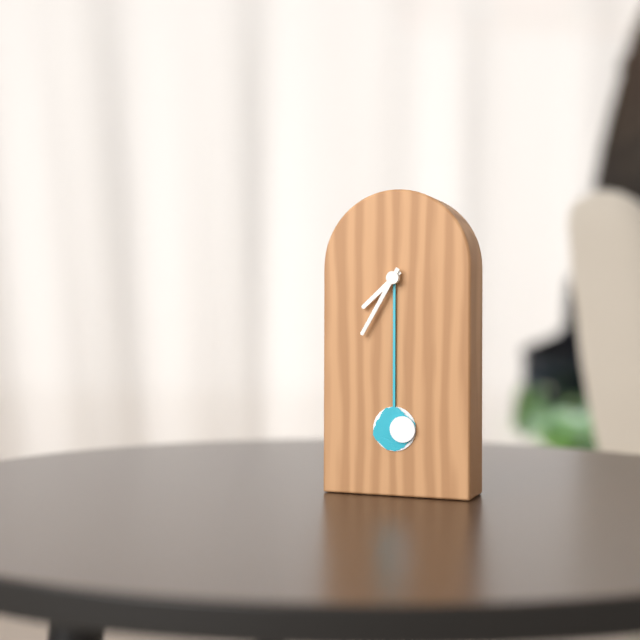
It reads {"hour": 7, "minute": 35}
